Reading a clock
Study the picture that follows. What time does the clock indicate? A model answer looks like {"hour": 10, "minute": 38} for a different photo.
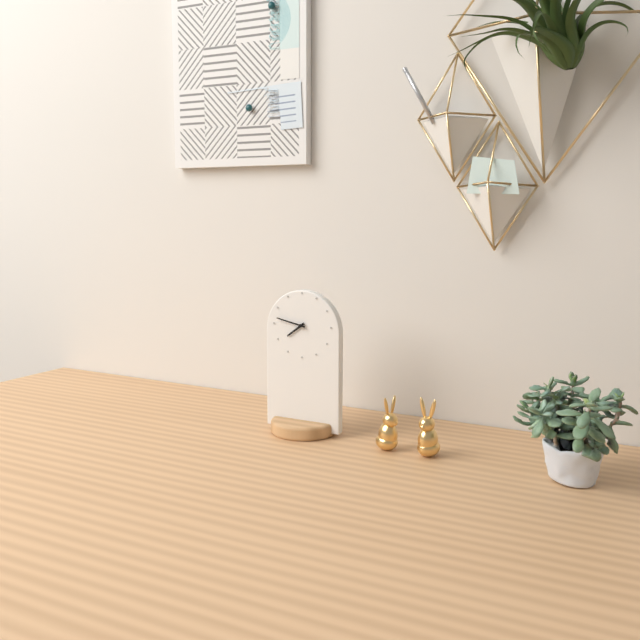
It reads {"hour": 7, "minute": 47}
